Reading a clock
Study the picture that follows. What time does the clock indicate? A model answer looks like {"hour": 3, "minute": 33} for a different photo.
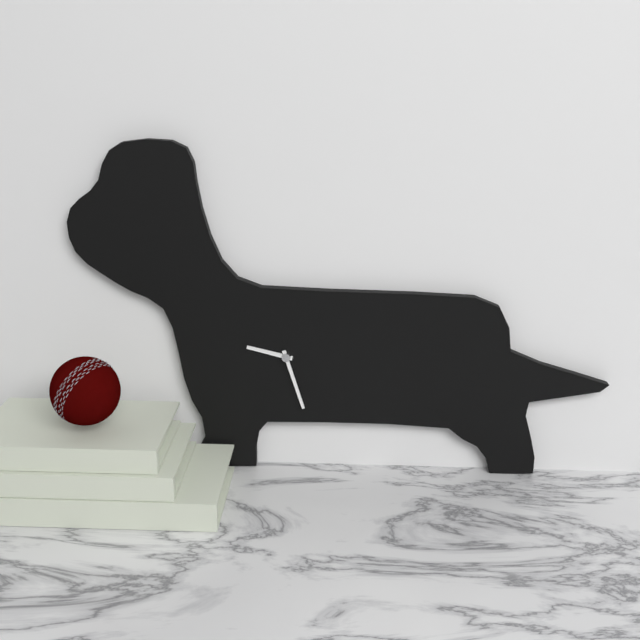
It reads {"hour": 9, "minute": 27}
